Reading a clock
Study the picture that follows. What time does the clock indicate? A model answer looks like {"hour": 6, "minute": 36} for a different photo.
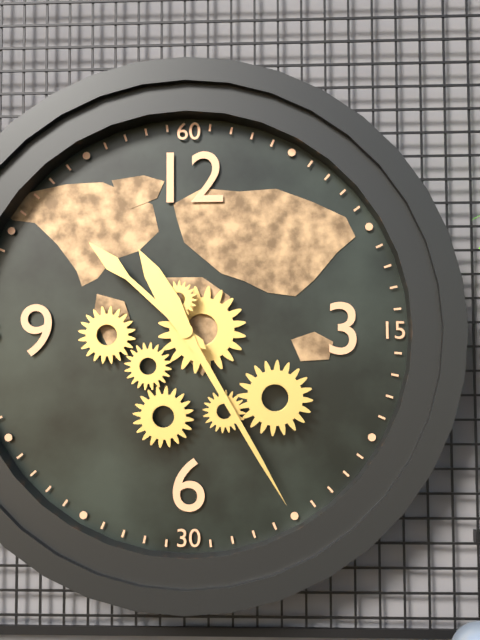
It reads {"hour": 10, "minute": 25}
